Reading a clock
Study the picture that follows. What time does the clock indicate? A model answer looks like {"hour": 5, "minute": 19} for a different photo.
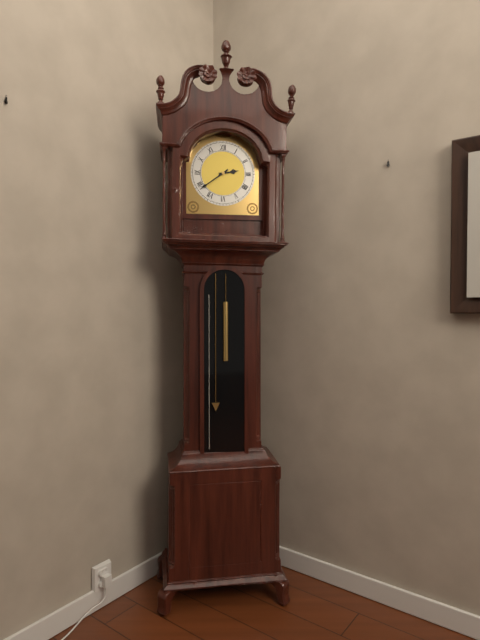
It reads {"hour": 2, "minute": 39}
